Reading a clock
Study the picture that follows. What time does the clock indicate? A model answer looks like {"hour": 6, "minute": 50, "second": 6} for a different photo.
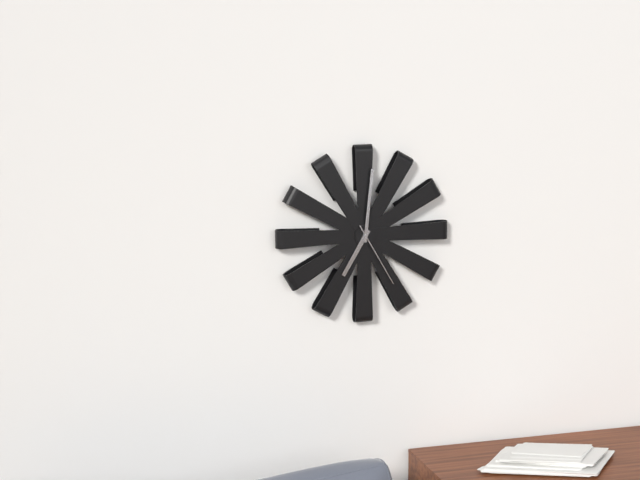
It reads {"hour": 7, "minute": 1, "second": 25}
